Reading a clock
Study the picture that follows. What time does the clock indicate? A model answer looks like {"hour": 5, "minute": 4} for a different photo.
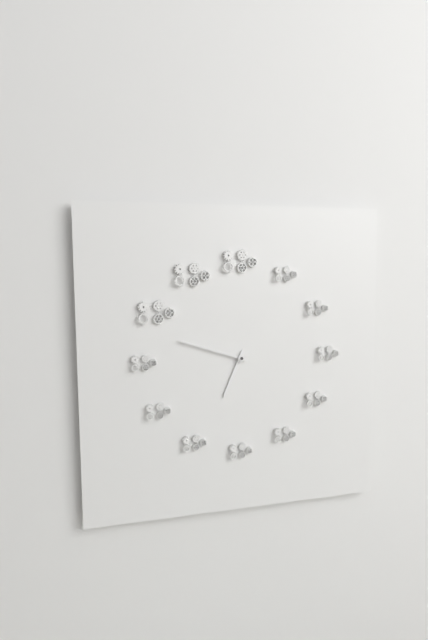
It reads {"hour": 6, "minute": 48}
